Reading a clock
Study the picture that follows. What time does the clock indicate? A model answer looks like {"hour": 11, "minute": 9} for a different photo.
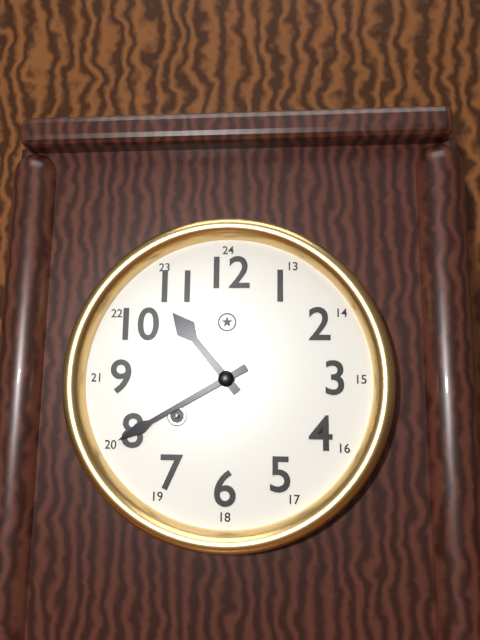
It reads {"hour": 10, "minute": 40}
